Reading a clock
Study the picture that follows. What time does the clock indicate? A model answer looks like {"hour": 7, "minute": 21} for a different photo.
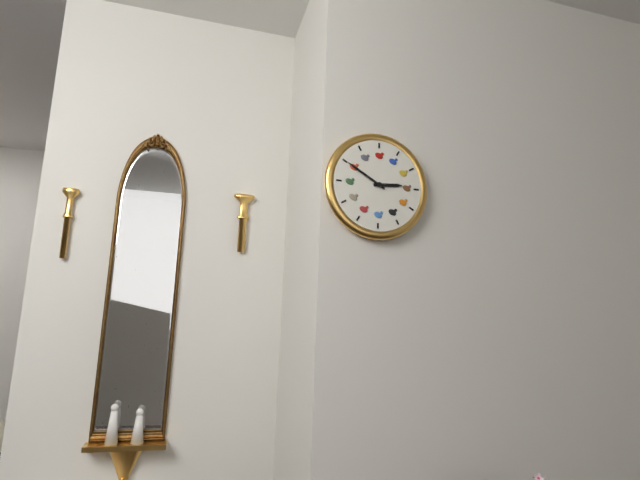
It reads {"hour": 2, "minute": 50}
